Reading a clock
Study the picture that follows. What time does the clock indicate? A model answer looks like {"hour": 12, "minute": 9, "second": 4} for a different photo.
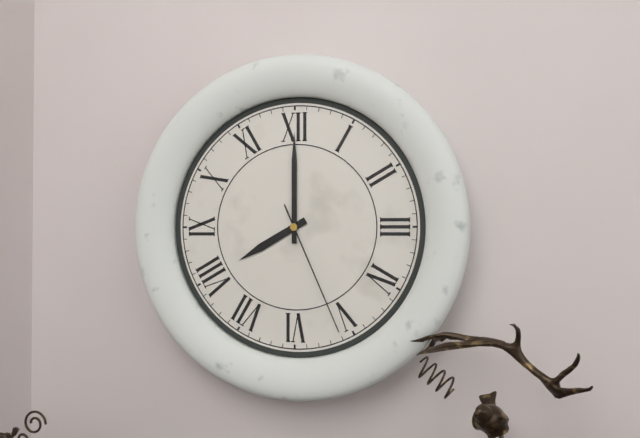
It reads {"hour": 8, "minute": 0, "second": 26}
